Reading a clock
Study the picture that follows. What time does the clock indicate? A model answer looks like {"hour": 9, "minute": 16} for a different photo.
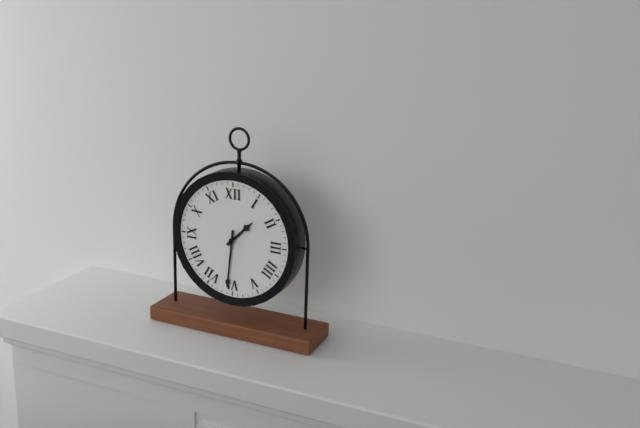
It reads {"hour": 1, "minute": 31}
